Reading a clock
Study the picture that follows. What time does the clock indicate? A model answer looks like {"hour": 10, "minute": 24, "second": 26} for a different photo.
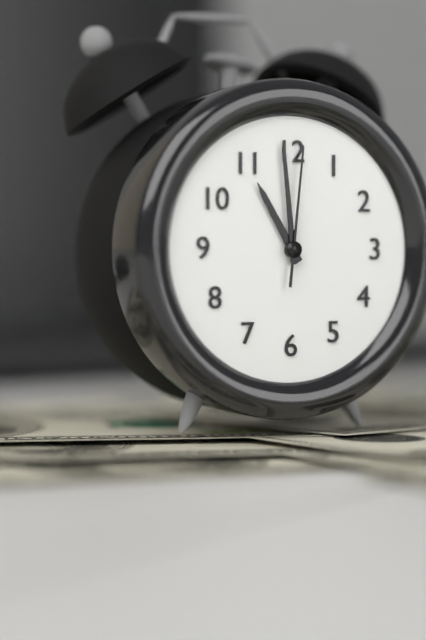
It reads {"hour": 10, "minute": 59, "second": 1}
